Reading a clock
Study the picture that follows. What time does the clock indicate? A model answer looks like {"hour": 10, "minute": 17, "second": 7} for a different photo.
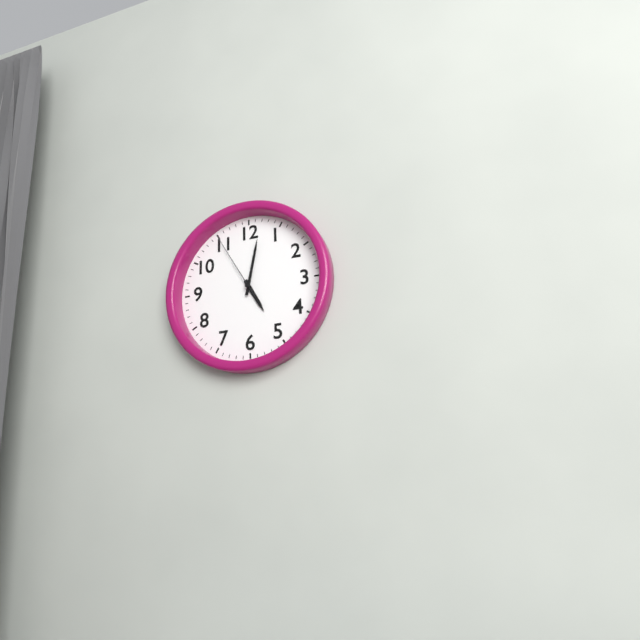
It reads {"hour": 5, "minute": 2, "second": 55}
